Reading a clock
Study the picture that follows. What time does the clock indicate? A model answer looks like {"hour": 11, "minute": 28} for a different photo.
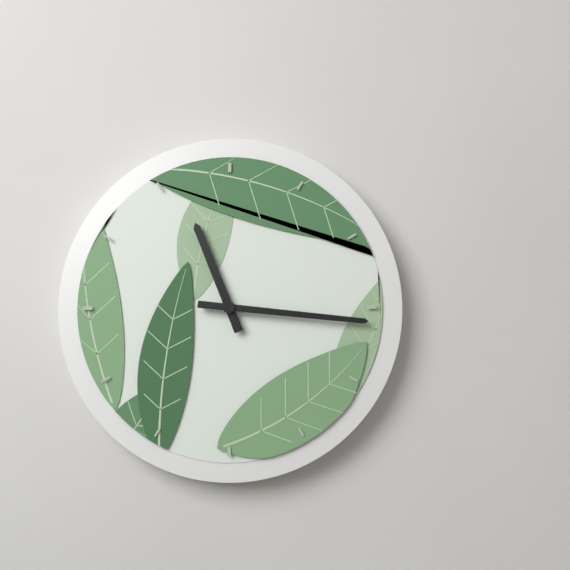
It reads {"hour": 11, "minute": 16}
